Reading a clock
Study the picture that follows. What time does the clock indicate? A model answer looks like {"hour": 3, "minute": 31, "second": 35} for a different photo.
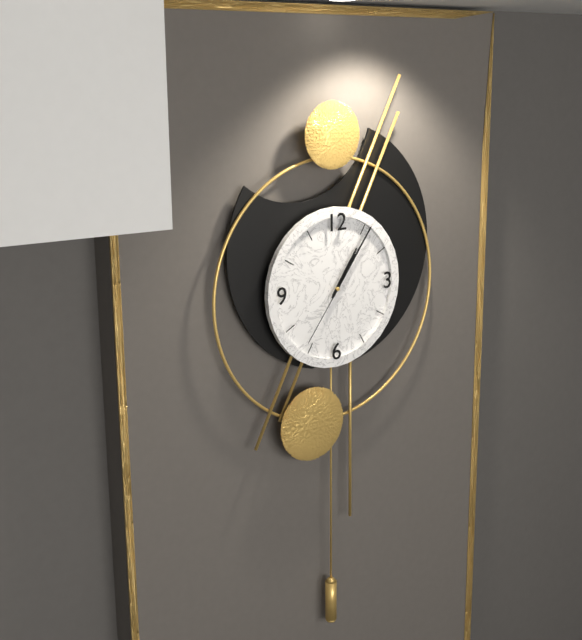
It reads {"hour": 1, "minute": 6, "second": 36}
